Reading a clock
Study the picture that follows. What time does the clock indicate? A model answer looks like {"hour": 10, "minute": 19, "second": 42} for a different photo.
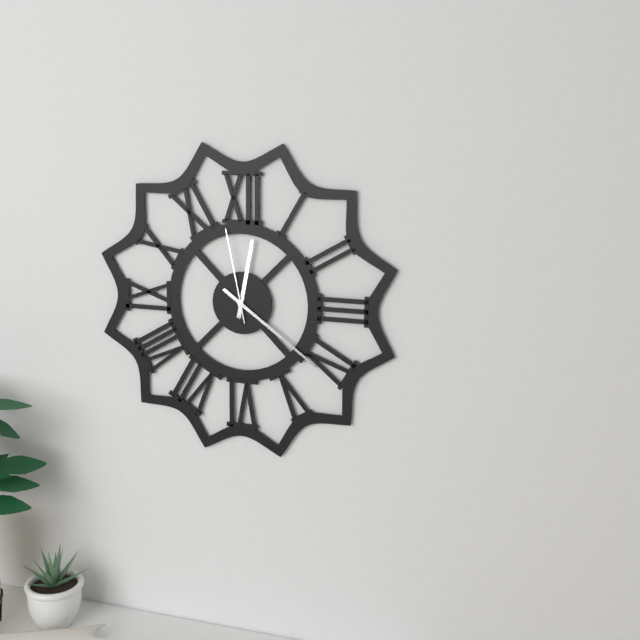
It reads {"hour": 12, "minute": 21, "second": 58}
